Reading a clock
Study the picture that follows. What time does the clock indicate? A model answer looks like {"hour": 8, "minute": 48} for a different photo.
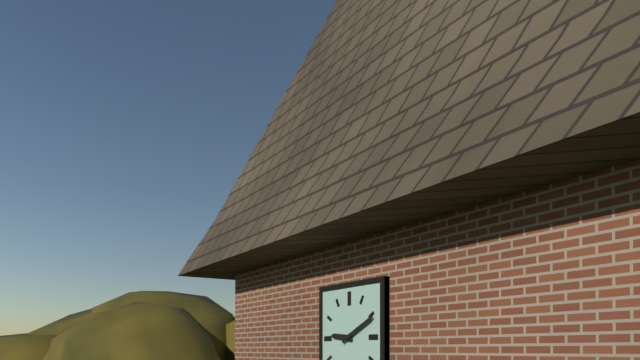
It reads {"hour": 9, "minute": 11}
